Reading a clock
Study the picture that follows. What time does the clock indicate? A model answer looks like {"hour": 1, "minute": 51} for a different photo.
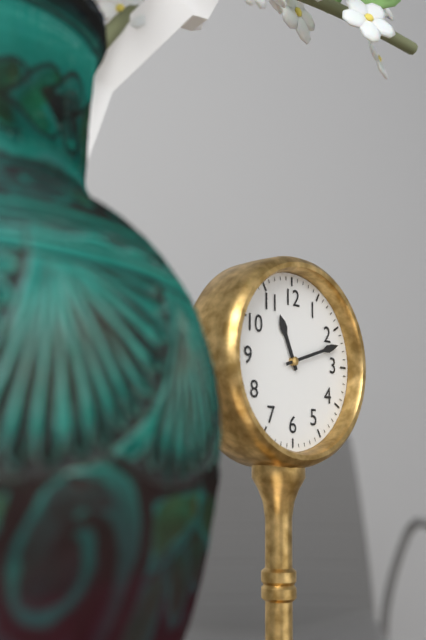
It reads {"hour": 11, "minute": 12}
